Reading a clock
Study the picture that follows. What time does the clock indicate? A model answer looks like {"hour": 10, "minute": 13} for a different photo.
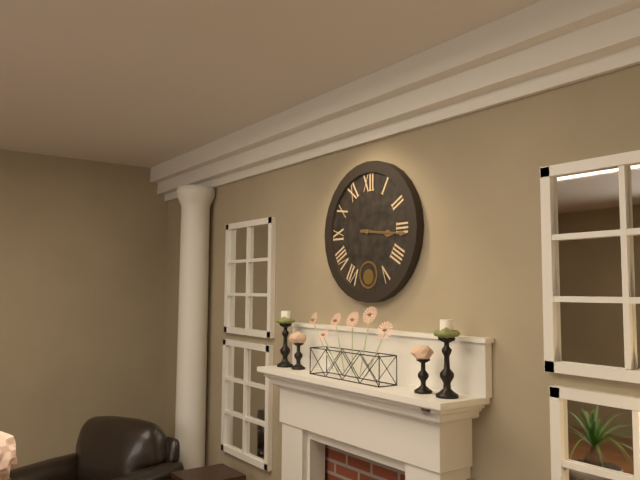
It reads {"hour": 3, "minute": 16}
